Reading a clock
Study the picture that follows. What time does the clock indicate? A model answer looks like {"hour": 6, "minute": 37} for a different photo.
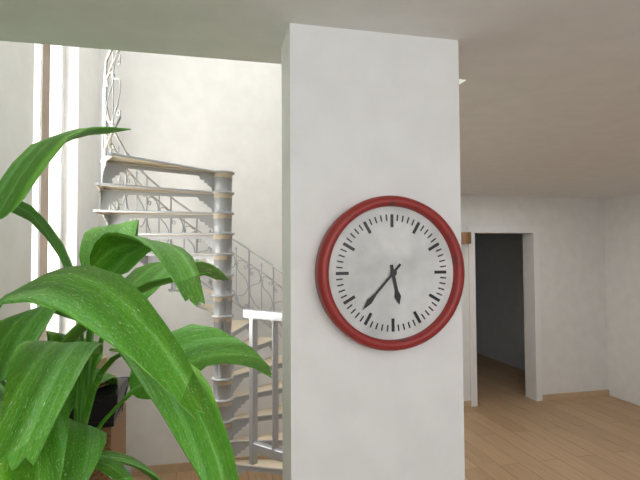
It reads {"hour": 5, "minute": 37}
